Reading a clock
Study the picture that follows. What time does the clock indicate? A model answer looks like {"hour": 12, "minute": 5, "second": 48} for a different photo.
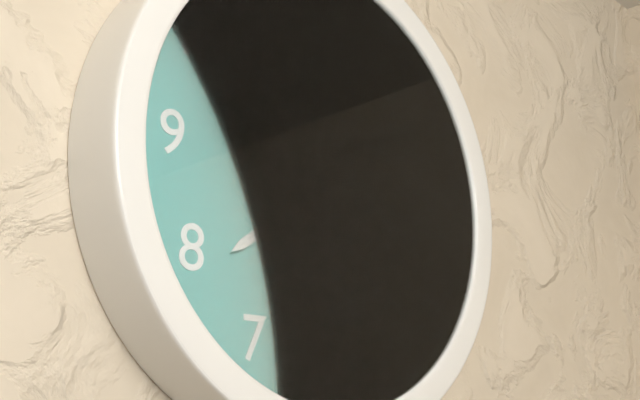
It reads {"hour": 12, "minute": 39, "second": 20}
